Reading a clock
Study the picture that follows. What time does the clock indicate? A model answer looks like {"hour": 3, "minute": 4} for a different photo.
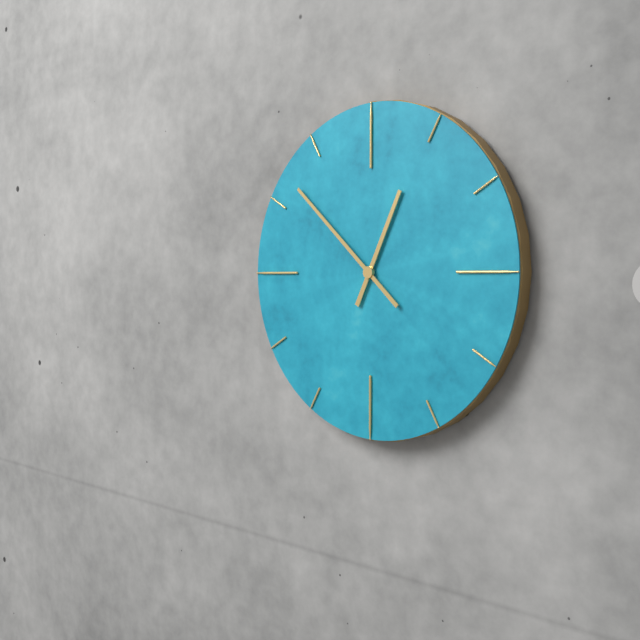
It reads {"hour": 12, "minute": 52}
